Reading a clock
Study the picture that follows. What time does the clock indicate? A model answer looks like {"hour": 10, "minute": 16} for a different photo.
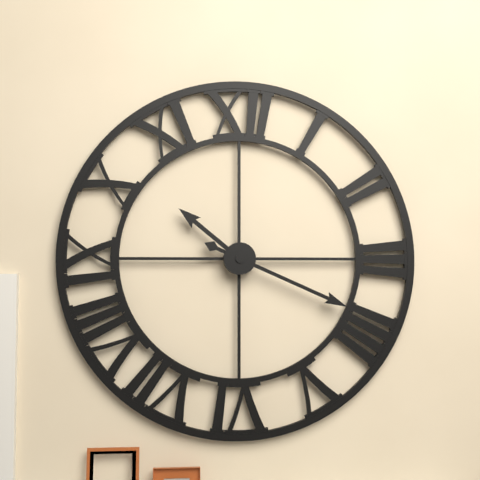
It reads {"hour": 10, "minute": 19}
